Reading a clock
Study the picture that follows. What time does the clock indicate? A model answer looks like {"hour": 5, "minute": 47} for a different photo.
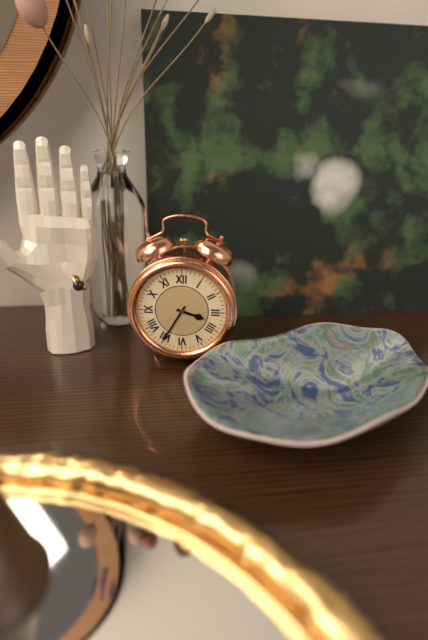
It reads {"hour": 3, "minute": 35}
